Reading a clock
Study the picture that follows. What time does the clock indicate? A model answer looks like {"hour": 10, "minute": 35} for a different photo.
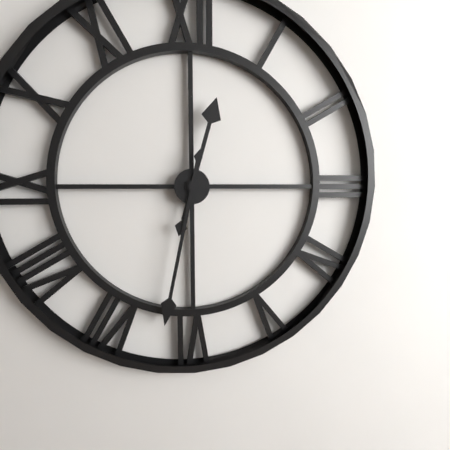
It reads {"hour": 12, "minute": 32}
